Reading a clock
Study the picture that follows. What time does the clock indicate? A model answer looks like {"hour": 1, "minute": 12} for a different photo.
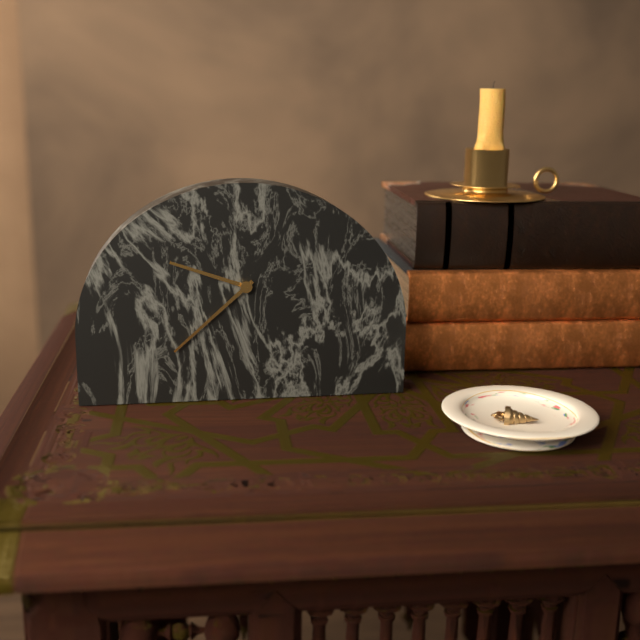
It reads {"hour": 9, "minute": 38}
